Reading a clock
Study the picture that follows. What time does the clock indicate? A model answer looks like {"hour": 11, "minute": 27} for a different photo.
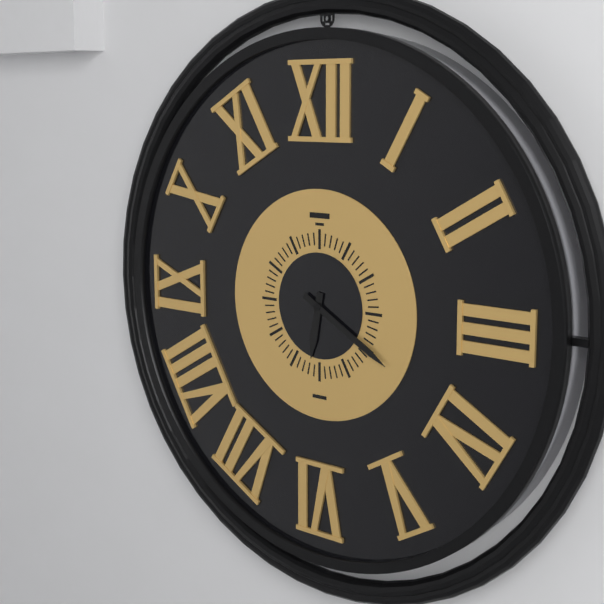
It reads {"hour": 6, "minute": 20}
